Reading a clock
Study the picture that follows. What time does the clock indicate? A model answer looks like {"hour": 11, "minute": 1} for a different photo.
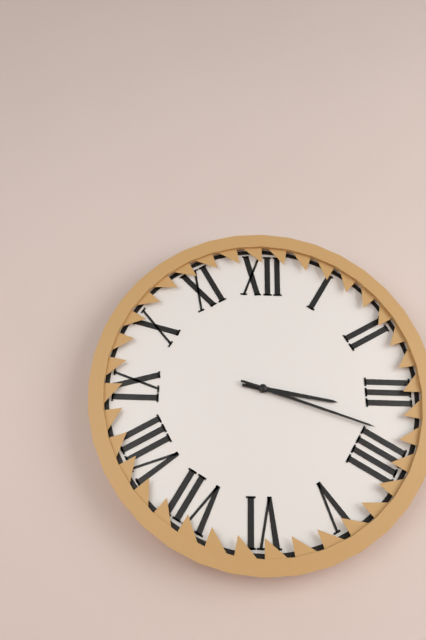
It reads {"hour": 3, "minute": 18}
